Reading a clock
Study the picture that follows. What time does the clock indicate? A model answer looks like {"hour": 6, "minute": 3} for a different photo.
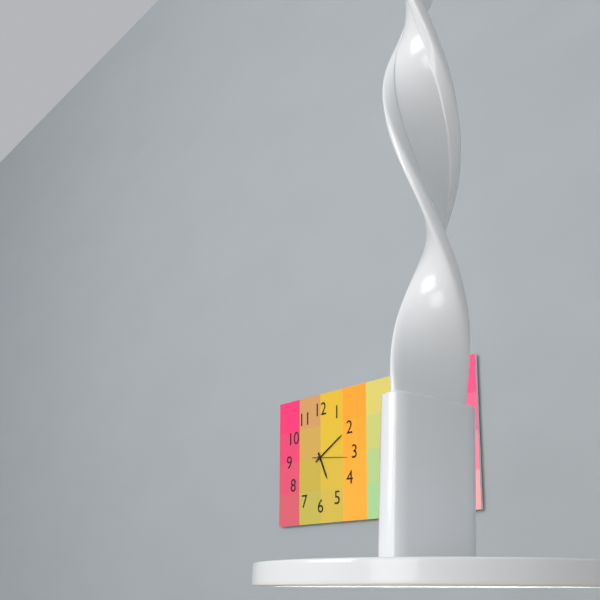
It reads {"hour": 5, "minute": 10}
